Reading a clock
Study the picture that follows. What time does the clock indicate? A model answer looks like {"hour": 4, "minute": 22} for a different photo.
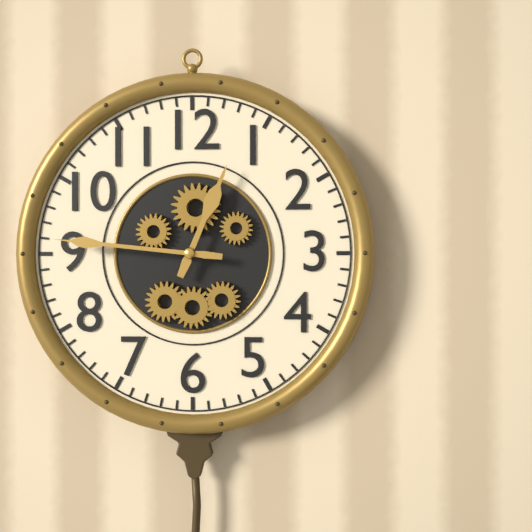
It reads {"hour": 12, "minute": 46}
